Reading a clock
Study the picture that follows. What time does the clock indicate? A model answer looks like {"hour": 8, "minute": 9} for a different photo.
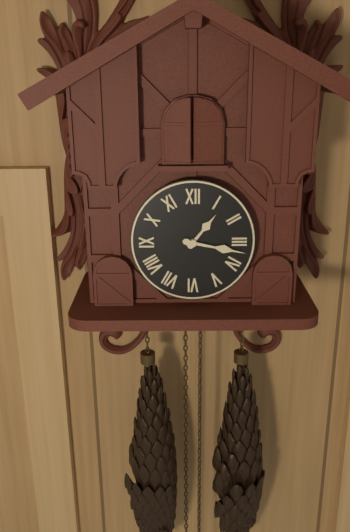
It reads {"hour": 1, "minute": 17}
